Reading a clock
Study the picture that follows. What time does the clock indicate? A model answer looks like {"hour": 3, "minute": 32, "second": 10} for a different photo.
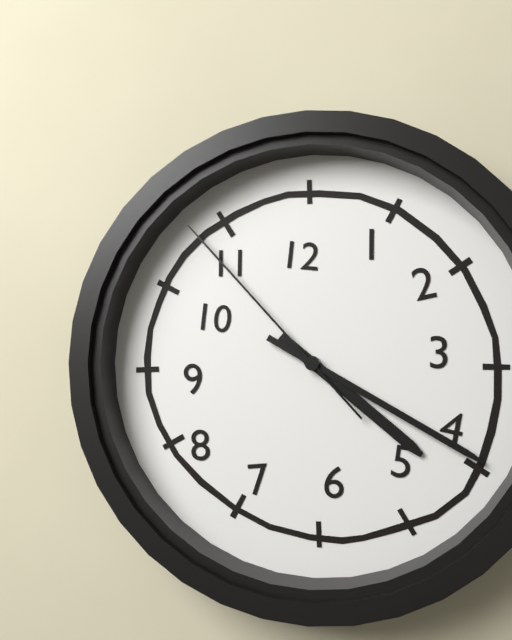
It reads {"hour": 4, "minute": 20, "second": 53}
